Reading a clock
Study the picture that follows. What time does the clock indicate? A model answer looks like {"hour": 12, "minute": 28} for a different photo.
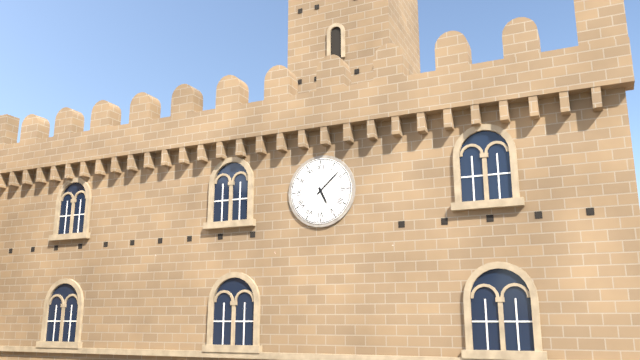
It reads {"hour": 5, "minute": 8}
